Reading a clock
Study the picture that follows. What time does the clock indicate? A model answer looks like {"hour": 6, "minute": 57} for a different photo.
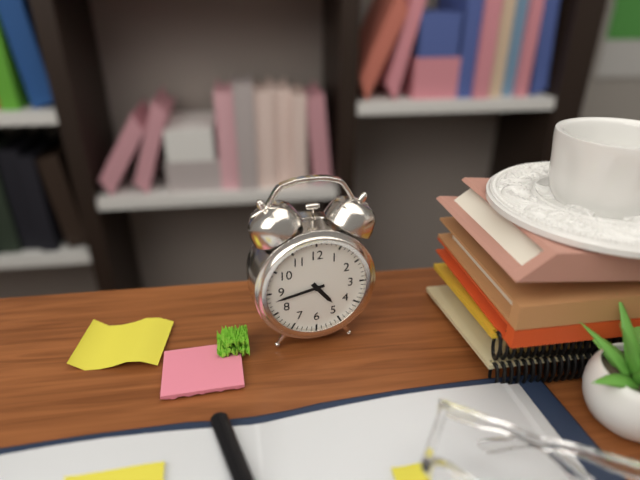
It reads {"hour": 4, "minute": 43}
